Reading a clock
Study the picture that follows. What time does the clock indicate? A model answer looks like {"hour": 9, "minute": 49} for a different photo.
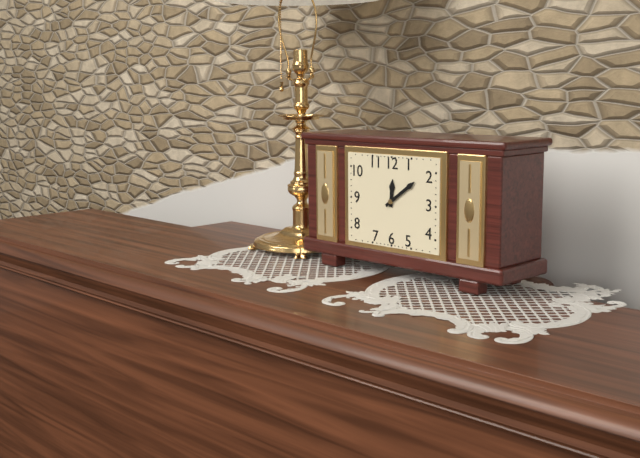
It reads {"hour": 12, "minute": 9}
